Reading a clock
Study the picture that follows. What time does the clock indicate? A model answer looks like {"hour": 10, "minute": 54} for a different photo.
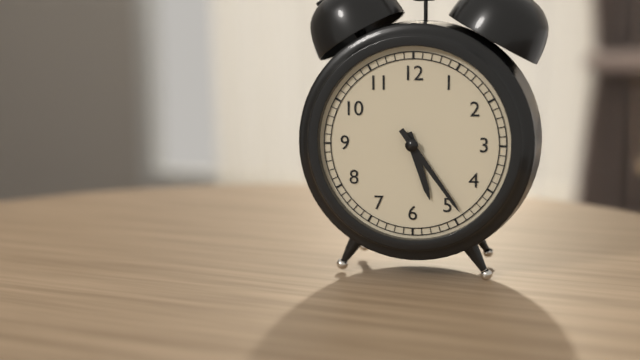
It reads {"hour": 5, "minute": 24}
